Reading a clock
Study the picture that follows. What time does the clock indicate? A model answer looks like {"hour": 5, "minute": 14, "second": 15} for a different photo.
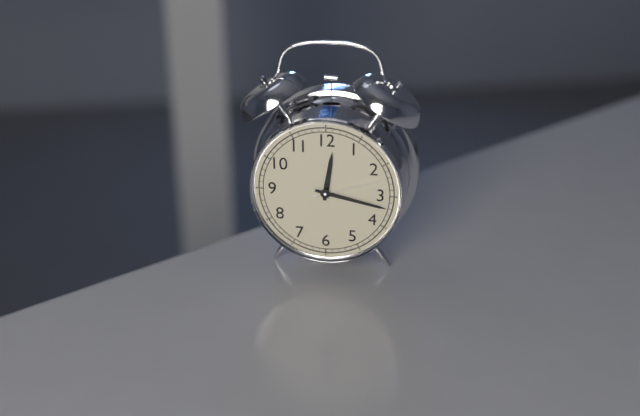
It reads {"hour": 12, "minute": 17, "second": 12}
